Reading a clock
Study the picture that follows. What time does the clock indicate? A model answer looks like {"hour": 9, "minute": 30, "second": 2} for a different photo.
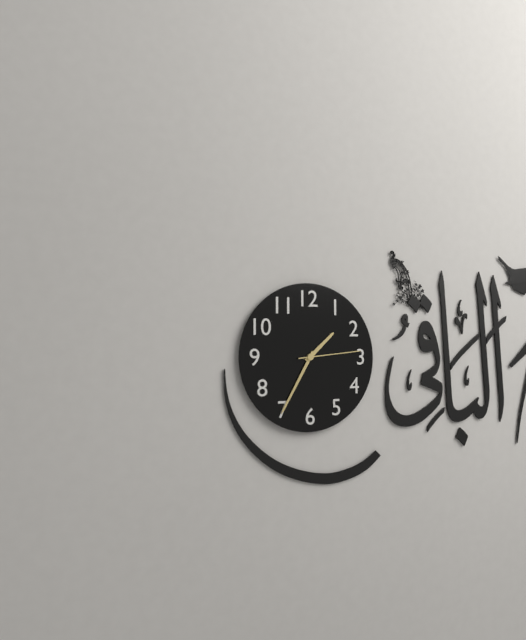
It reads {"hour": 1, "minute": 35, "second": 14}
